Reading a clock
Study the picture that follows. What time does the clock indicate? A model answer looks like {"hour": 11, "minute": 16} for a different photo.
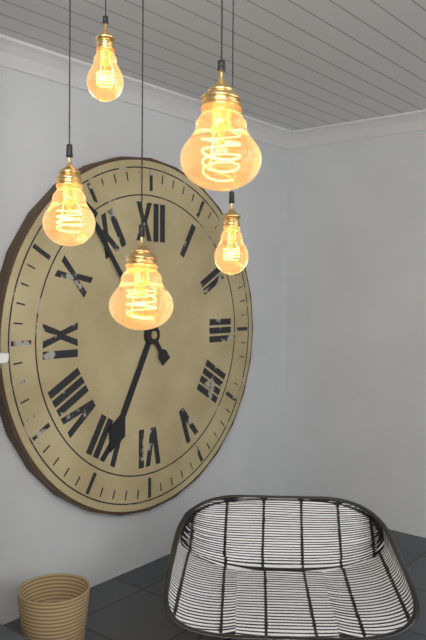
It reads {"hour": 6, "minute": 54}
